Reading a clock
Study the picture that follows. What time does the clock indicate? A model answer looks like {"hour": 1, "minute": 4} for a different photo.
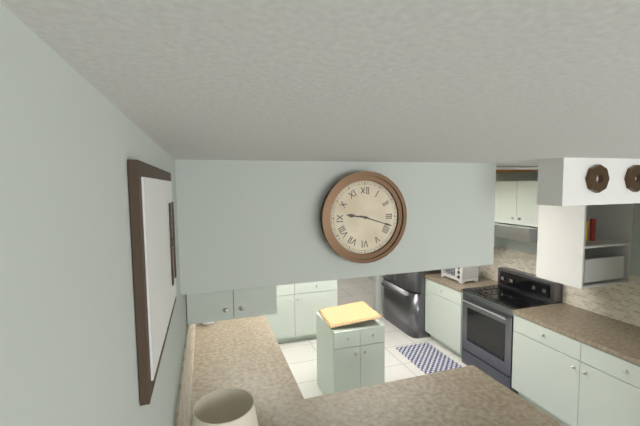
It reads {"hour": 9, "minute": 18}
